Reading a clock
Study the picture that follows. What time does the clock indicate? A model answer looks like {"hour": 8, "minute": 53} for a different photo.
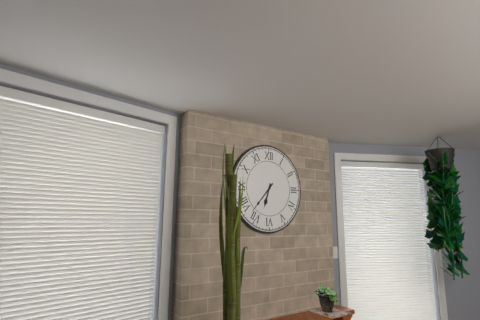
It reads {"hour": 6, "minute": 37}
